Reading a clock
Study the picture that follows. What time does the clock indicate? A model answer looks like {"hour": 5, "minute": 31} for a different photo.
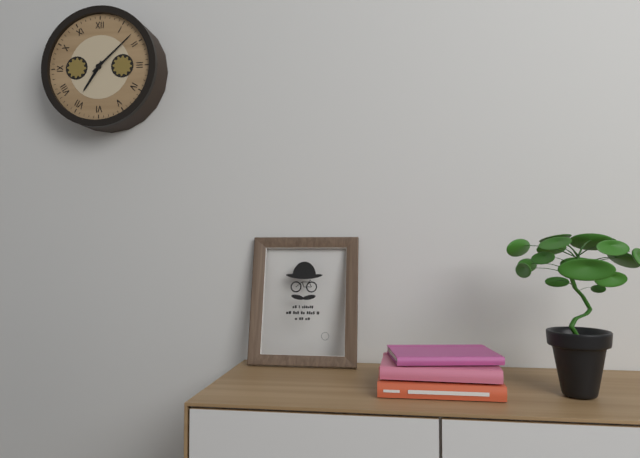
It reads {"hour": 7, "minute": 8}
